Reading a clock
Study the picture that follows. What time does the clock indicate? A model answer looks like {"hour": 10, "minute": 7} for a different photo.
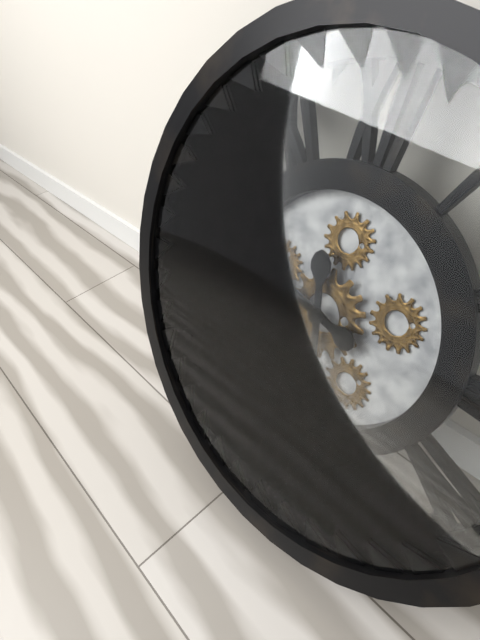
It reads {"hour": 9, "minute": 28}
